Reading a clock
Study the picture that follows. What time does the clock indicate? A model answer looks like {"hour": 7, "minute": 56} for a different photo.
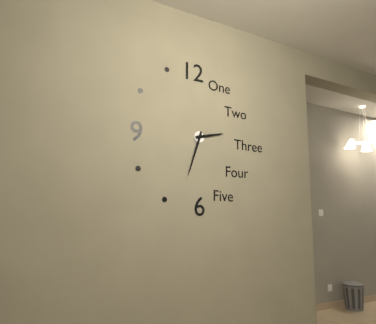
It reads {"hour": 2, "minute": 33}
